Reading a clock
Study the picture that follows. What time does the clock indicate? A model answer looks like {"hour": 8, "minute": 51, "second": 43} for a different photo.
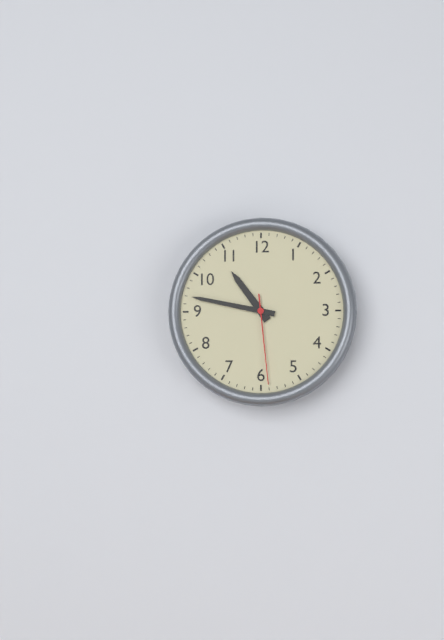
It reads {"hour": 10, "minute": 47, "second": 29}
